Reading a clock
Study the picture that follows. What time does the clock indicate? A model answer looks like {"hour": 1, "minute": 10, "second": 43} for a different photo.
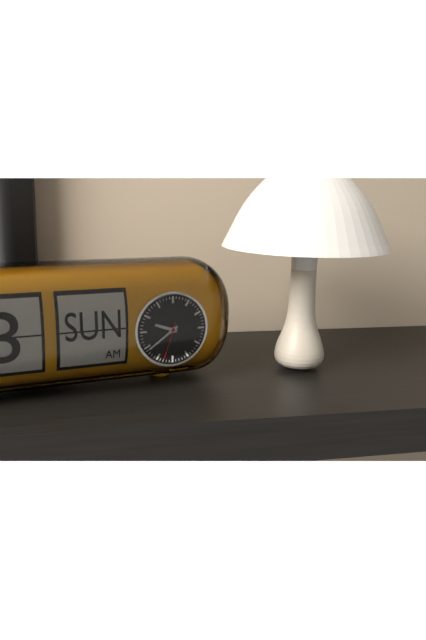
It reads {"hour": 9, "minute": 39, "second": 33}
